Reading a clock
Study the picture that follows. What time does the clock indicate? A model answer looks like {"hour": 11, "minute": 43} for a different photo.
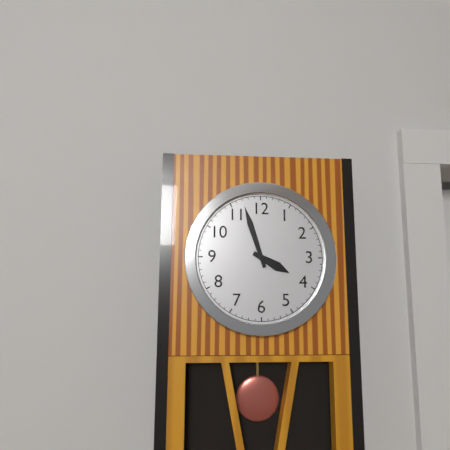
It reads {"hour": 3, "minute": 57}
